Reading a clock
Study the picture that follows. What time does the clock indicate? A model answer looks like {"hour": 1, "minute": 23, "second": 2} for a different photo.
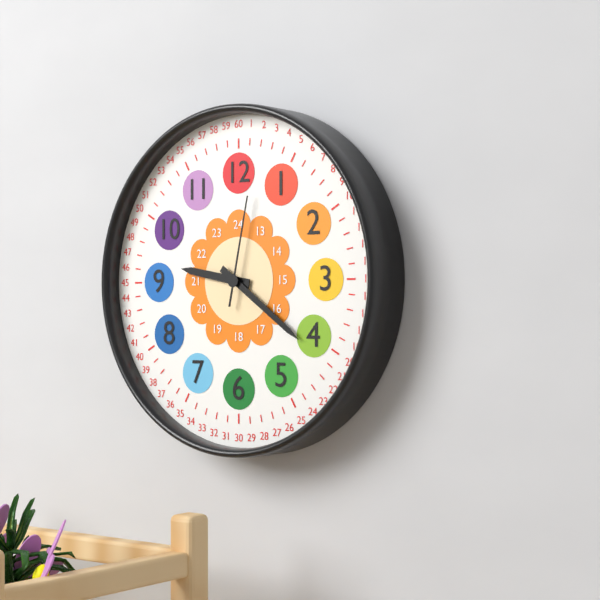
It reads {"hour": 9, "minute": 21, "second": 2}
